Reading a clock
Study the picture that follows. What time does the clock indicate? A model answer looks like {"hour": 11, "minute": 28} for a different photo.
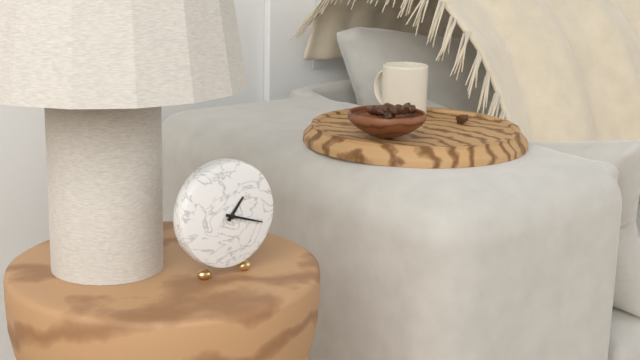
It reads {"hour": 1, "minute": 18}
